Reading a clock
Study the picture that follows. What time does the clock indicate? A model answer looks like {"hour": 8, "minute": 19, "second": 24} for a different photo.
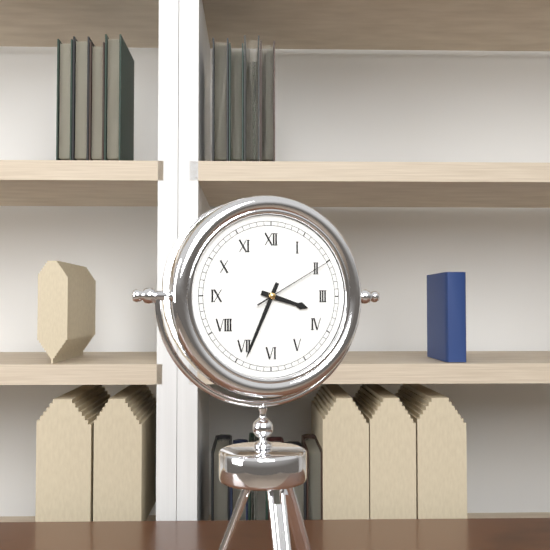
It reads {"hour": 3, "minute": 34, "second": 10}
